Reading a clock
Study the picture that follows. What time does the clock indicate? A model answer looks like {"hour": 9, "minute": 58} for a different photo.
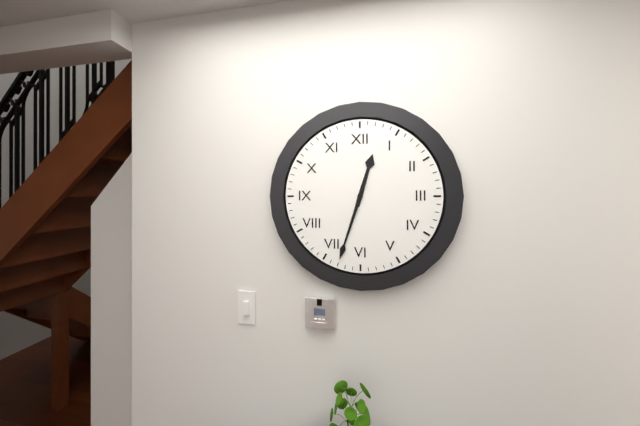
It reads {"hour": 12, "minute": 33}
